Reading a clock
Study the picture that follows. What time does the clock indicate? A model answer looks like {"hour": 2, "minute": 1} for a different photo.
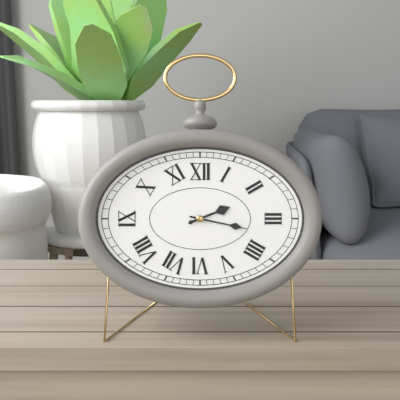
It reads {"hour": 2, "minute": 17}
